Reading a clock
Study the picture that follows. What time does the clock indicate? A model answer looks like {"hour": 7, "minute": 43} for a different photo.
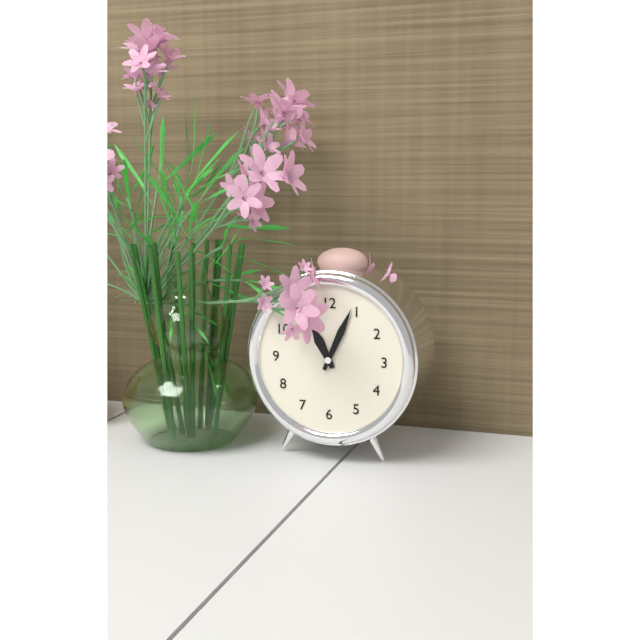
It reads {"hour": 11, "minute": 4}
